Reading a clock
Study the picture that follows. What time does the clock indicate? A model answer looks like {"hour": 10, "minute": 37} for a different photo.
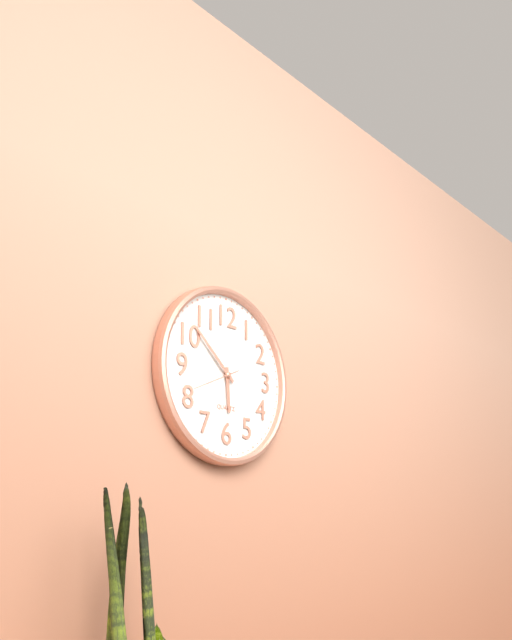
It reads {"hour": 5, "minute": 52}
